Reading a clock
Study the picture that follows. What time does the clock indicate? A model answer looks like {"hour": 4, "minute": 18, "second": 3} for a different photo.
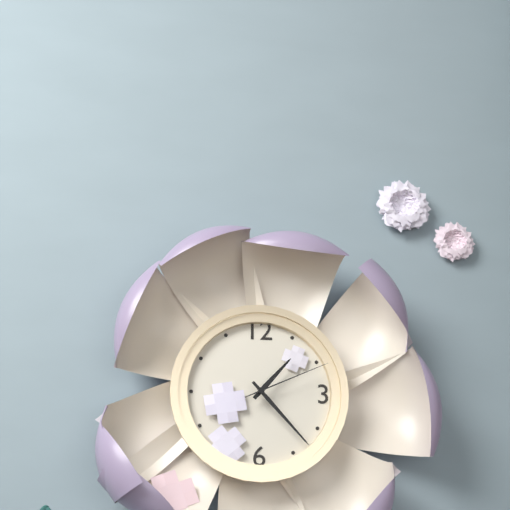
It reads {"hour": 1, "minute": 23, "second": 11}
